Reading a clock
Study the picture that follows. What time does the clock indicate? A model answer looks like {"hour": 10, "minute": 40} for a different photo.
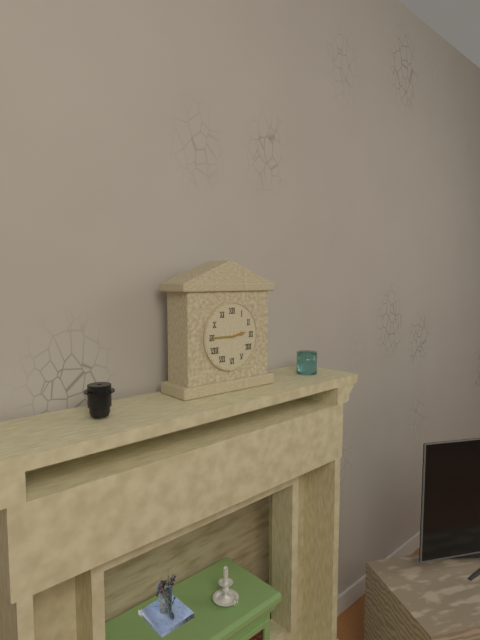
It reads {"hour": 2, "minute": 45}
